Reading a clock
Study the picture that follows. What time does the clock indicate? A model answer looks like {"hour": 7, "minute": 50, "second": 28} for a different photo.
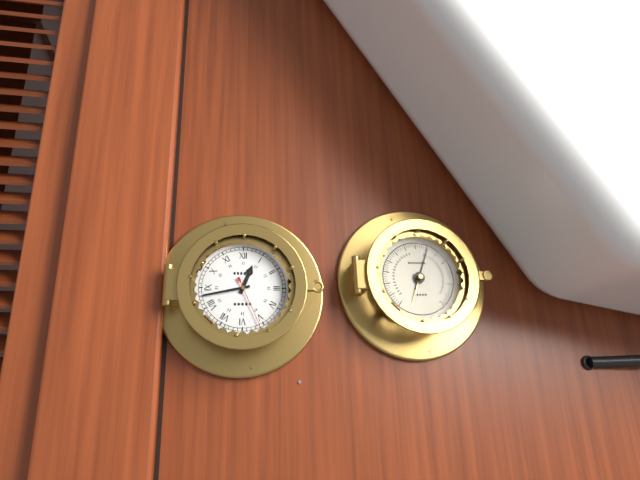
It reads {"hour": 12, "minute": 43, "second": 26}
